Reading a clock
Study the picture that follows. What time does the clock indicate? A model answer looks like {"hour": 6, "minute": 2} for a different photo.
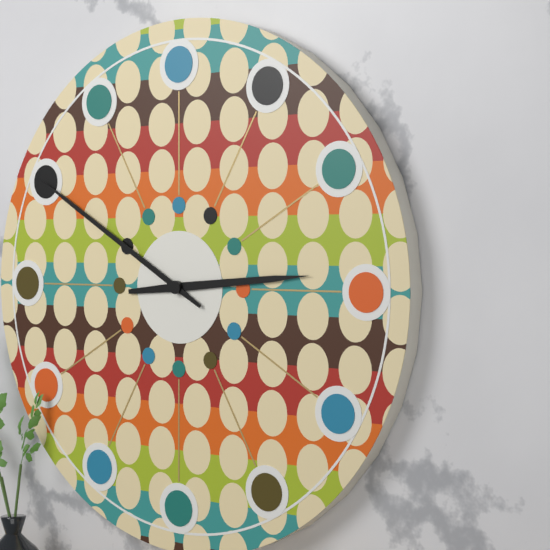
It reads {"hour": 2, "minute": 50}
